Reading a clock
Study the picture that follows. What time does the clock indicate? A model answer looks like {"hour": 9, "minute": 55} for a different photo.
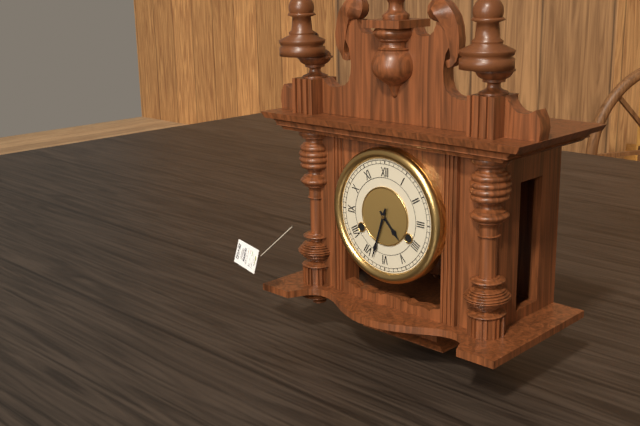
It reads {"hour": 4, "minute": 33}
